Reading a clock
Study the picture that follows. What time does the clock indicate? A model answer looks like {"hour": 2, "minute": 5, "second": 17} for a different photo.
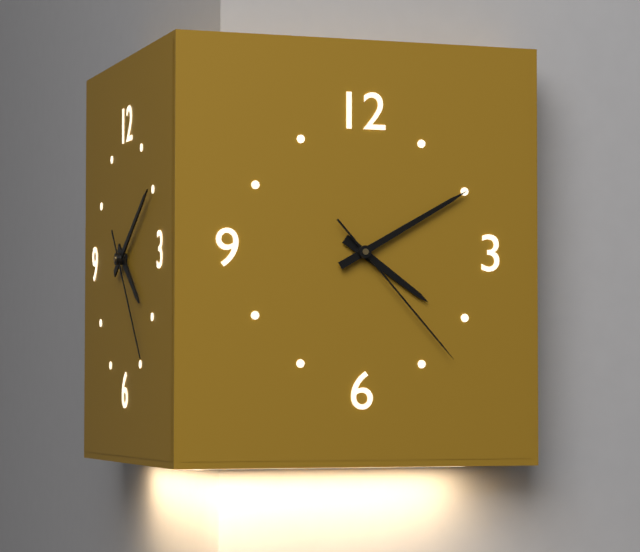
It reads {"hour": 4, "minute": 10, "second": 23}
